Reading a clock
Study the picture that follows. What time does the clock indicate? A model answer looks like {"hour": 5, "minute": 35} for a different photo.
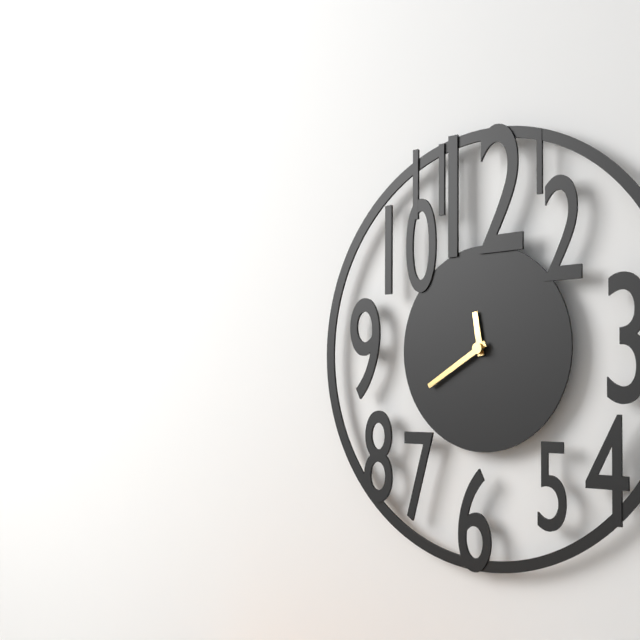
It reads {"hour": 11, "minute": 40}
